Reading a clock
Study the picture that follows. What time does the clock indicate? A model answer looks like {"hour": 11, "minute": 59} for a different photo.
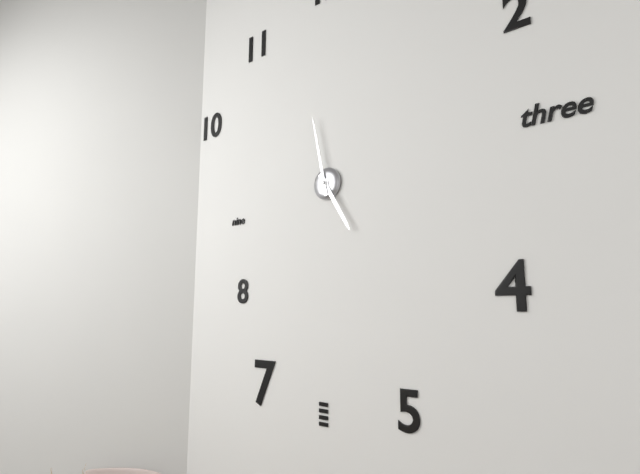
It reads {"hour": 4, "minute": 58}
